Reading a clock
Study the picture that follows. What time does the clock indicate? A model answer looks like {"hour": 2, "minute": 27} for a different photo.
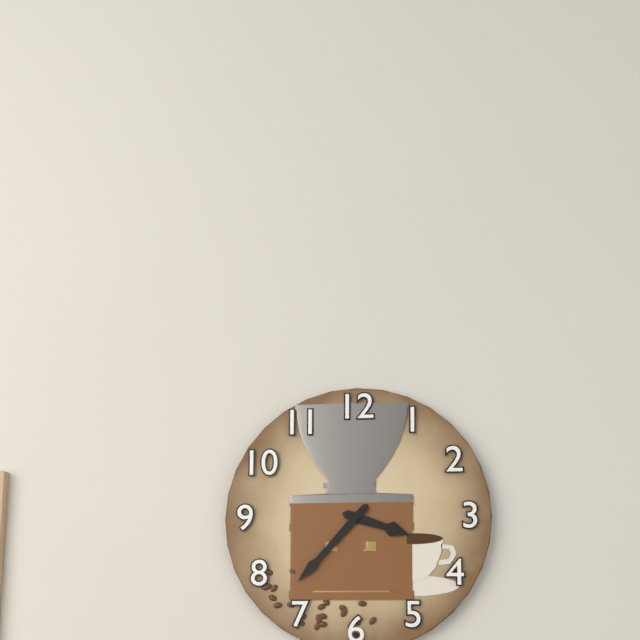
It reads {"hour": 3, "minute": 37}
